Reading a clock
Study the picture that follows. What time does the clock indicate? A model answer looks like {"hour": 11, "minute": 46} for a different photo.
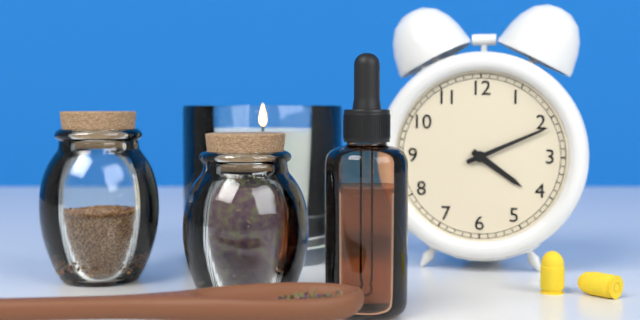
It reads {"hour": 4, "minute": 11}
